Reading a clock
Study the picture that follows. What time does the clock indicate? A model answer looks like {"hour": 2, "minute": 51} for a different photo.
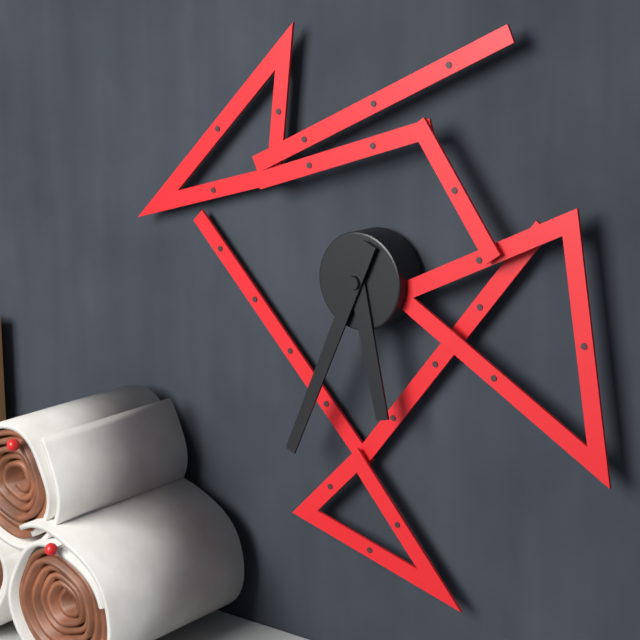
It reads {"hour": 5, "minute": 34}
